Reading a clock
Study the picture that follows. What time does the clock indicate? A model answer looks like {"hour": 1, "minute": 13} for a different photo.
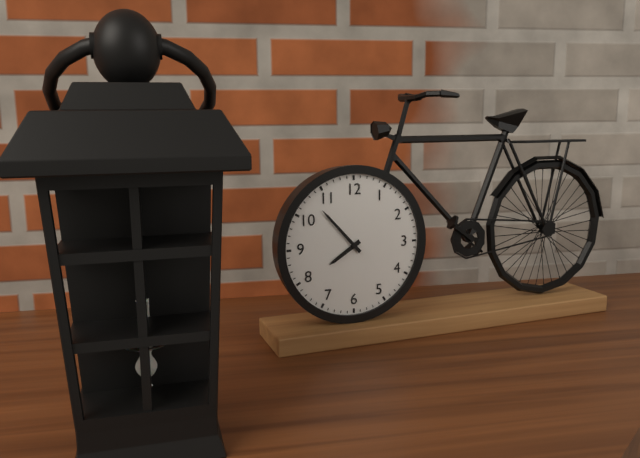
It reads {"hour": 7, "minute": 53}
